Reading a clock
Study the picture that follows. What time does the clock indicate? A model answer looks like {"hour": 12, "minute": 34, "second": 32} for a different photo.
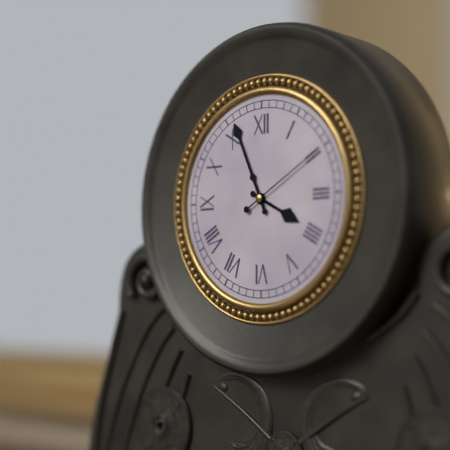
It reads {"hour": 3, "minute": 56, "second": 10}
